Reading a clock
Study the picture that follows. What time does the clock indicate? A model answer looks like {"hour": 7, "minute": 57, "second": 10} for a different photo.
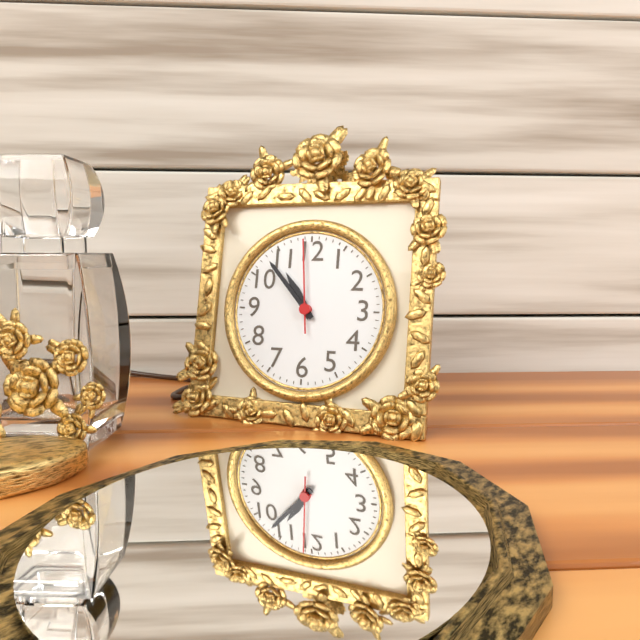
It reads {"hour": 10, "minute": 53, "second": 59}
